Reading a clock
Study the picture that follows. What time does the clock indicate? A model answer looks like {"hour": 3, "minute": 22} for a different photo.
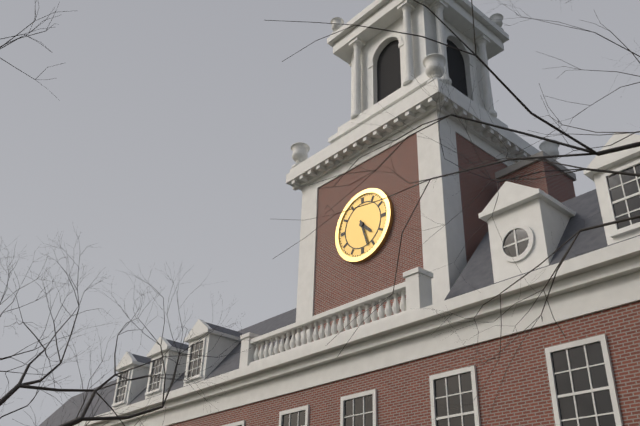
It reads {"hour": 4, "minute": 27}
